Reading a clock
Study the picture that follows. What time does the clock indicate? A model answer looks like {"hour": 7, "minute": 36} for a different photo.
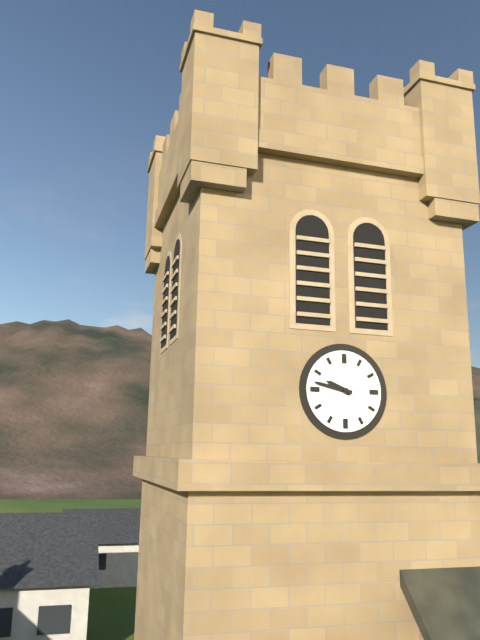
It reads {"hour": 9, "minute": 47}
